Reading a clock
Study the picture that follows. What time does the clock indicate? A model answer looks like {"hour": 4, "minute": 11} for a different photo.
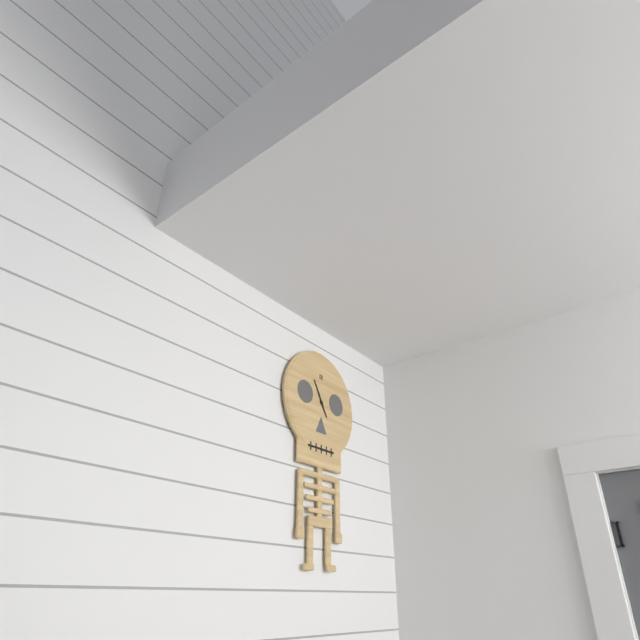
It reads {"hour": 4, "minute": 55}
